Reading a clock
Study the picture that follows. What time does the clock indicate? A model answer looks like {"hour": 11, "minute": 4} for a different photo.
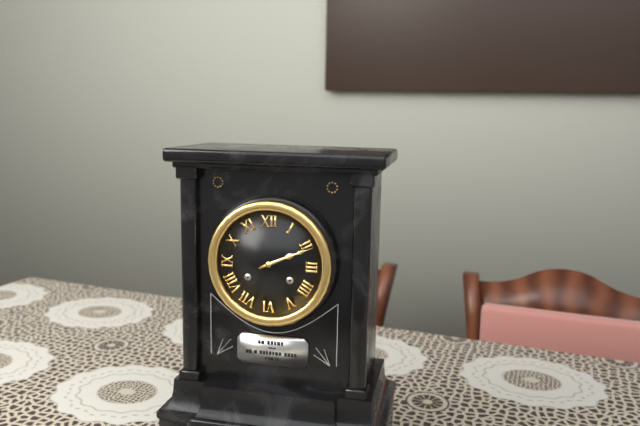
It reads {"hour": 2, "minute": 11}
